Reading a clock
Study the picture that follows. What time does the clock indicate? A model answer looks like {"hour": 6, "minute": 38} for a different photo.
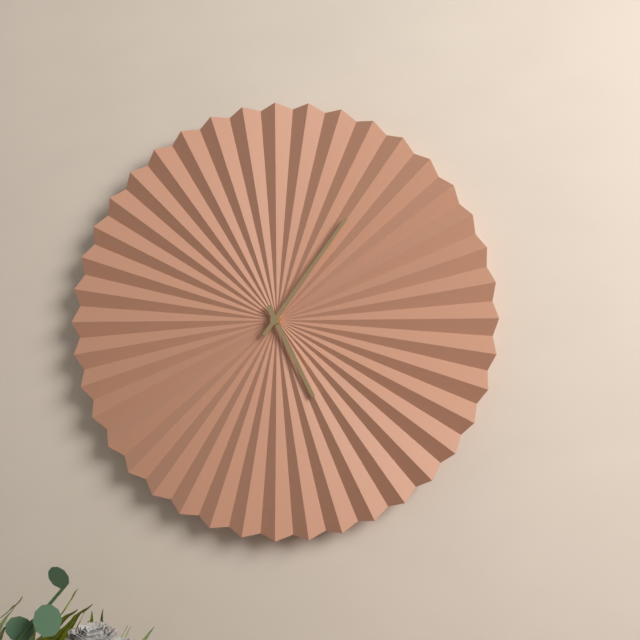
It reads {"hour": 5, "minute": 6}
